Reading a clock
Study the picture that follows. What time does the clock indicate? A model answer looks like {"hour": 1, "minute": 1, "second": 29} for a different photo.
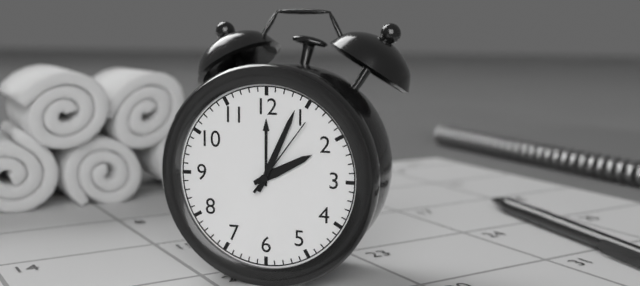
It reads {"hour": 2, "minute": 4, "second": 6}
